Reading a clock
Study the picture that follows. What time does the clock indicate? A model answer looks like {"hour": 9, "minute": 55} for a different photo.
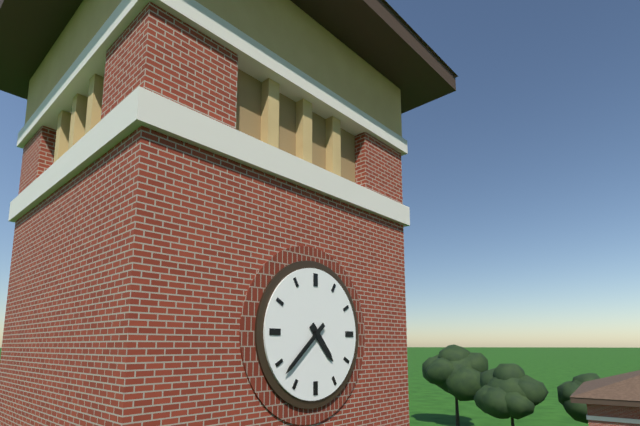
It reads {"hour": 4, "minute": 38}
